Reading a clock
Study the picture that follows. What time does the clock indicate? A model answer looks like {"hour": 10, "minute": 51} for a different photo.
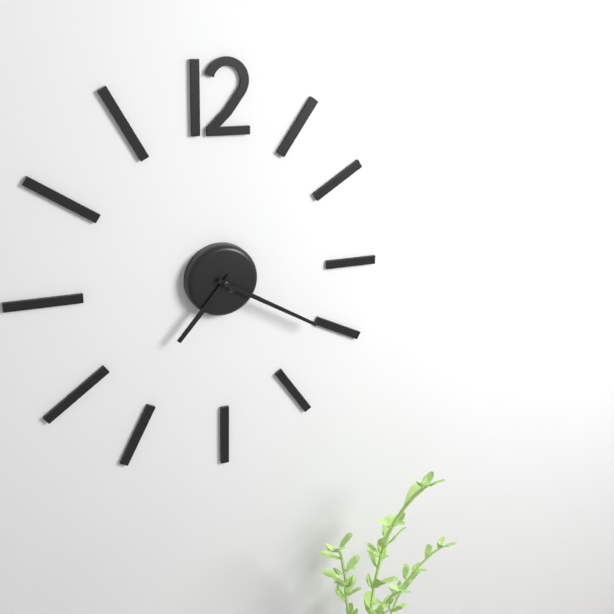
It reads {"hour": 7, "minute": 20}
